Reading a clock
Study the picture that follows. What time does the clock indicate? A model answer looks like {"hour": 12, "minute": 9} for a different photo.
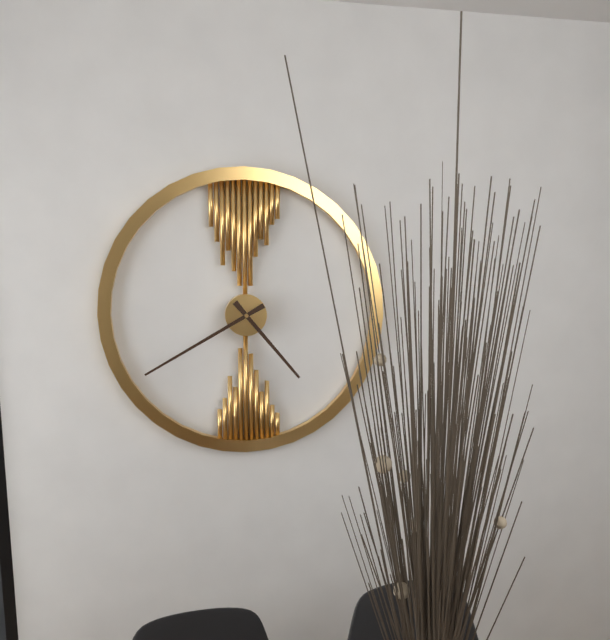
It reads {"hour": 4, "minute": 40}
